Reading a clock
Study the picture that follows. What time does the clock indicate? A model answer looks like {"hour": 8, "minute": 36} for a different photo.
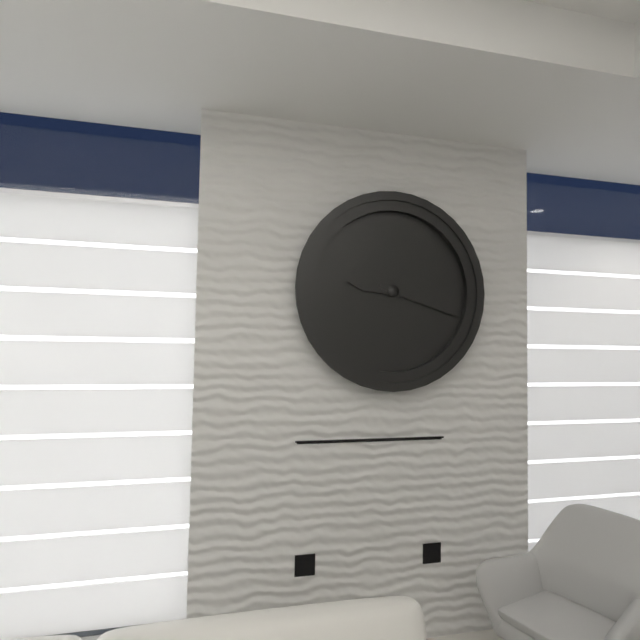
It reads {"hour": 9, "minute": 18}
